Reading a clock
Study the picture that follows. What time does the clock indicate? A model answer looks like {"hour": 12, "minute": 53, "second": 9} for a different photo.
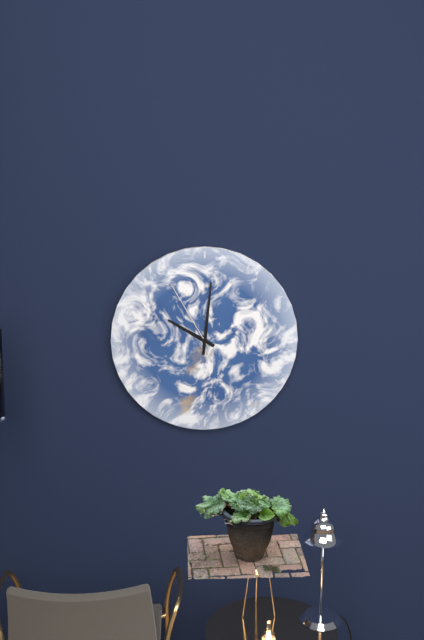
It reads {"hour": 10, "minute": 1, "second": 55}
